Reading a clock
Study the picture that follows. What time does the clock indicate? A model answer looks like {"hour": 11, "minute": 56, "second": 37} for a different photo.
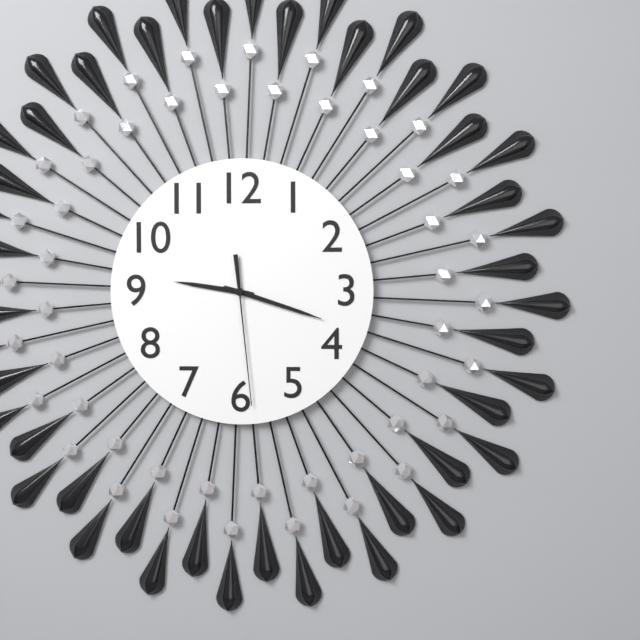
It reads {"hour": 9, "minute": 18, "second": 29}
